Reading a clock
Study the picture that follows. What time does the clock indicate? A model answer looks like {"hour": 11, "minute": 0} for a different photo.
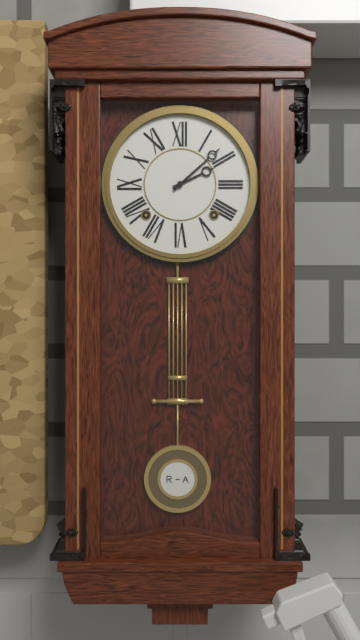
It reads {"hour": 2, "minute": 8}
